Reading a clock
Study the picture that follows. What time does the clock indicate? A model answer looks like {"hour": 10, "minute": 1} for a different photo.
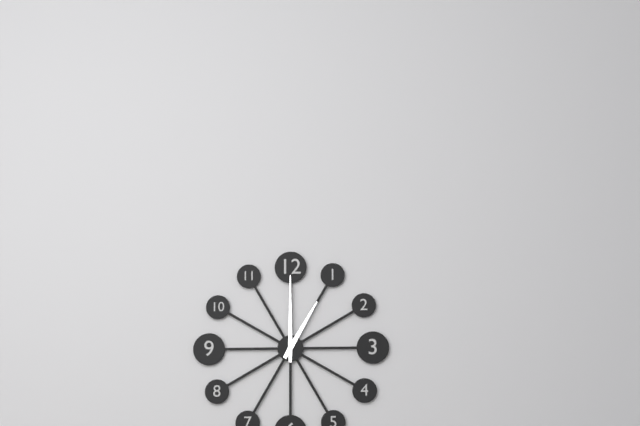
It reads {"hour": 1, "minute": 0}
